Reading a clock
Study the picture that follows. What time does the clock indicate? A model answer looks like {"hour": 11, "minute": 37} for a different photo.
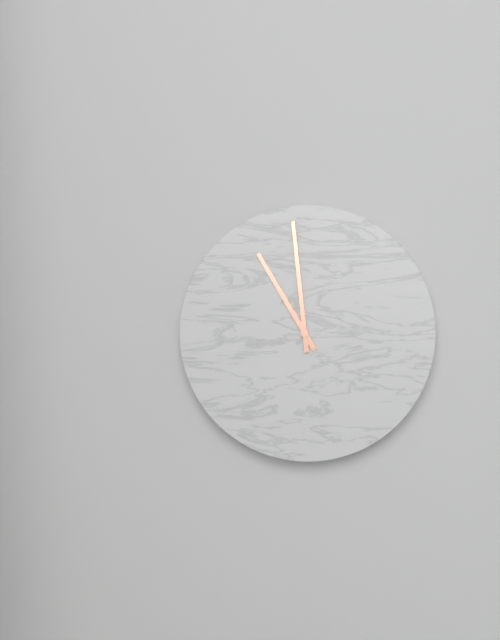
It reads {"hour": 10, "minute": 59}
